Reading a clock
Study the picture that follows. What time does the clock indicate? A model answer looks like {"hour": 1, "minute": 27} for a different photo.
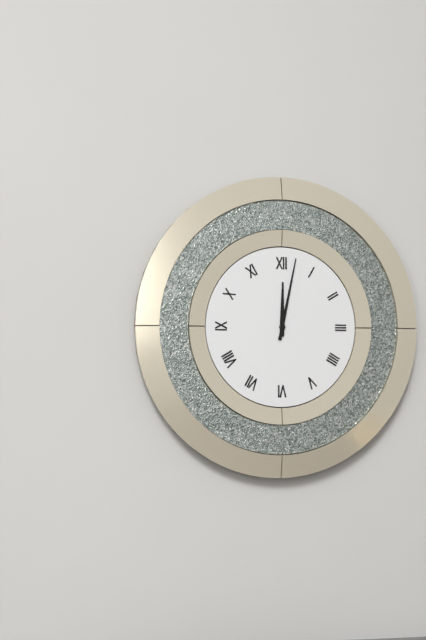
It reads {"hour": 12, "minute": 2}
